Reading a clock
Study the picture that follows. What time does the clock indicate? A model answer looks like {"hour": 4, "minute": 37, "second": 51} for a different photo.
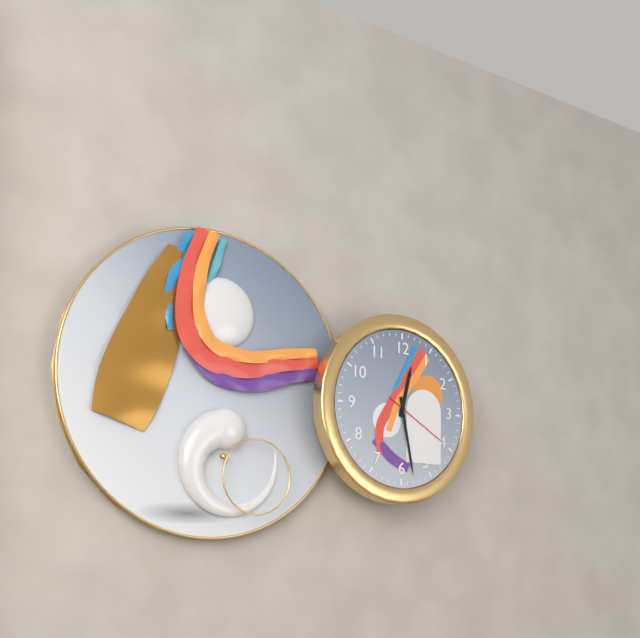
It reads {"hour": 12, "minute": 28, "second": 20}
